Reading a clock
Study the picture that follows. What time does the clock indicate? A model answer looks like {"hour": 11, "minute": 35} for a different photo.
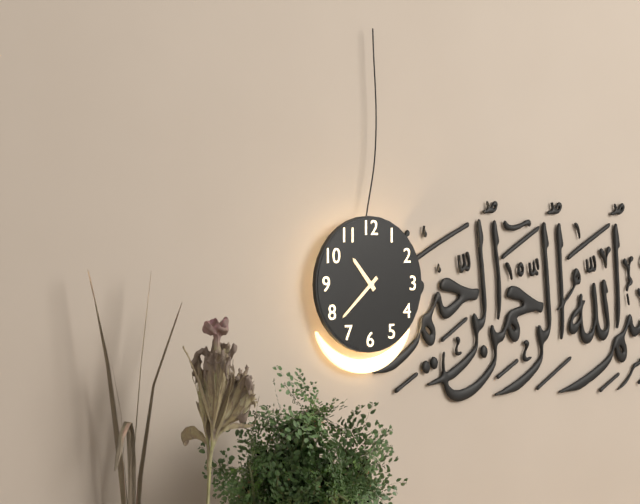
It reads {"hour": 10, "minute": 38}
